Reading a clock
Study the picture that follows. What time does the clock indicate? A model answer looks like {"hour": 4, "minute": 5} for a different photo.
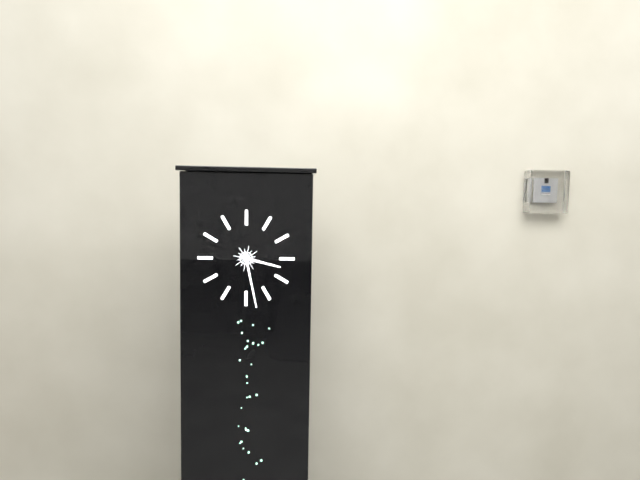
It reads {"hour": 3, "minute": 28}
